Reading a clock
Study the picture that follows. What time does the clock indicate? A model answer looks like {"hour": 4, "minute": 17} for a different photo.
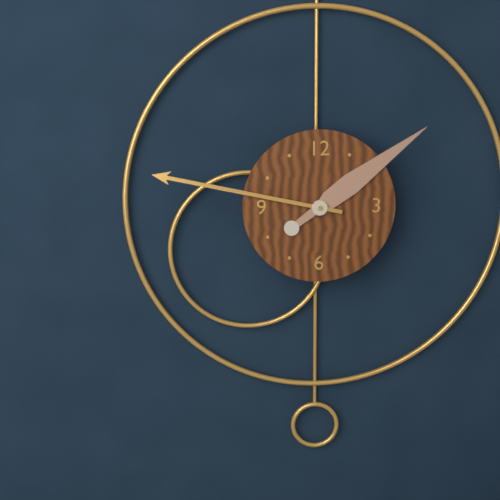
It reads {"hour": 1, "minute": 47}
